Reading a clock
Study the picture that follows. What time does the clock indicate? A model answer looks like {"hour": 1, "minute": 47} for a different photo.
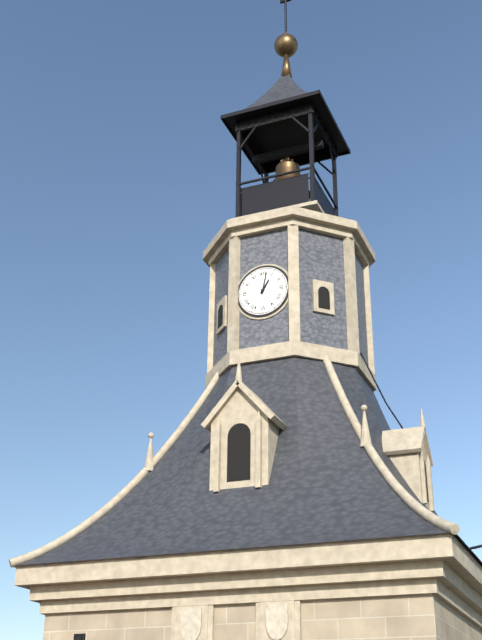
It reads {"hour": 1, "minute": 2}
